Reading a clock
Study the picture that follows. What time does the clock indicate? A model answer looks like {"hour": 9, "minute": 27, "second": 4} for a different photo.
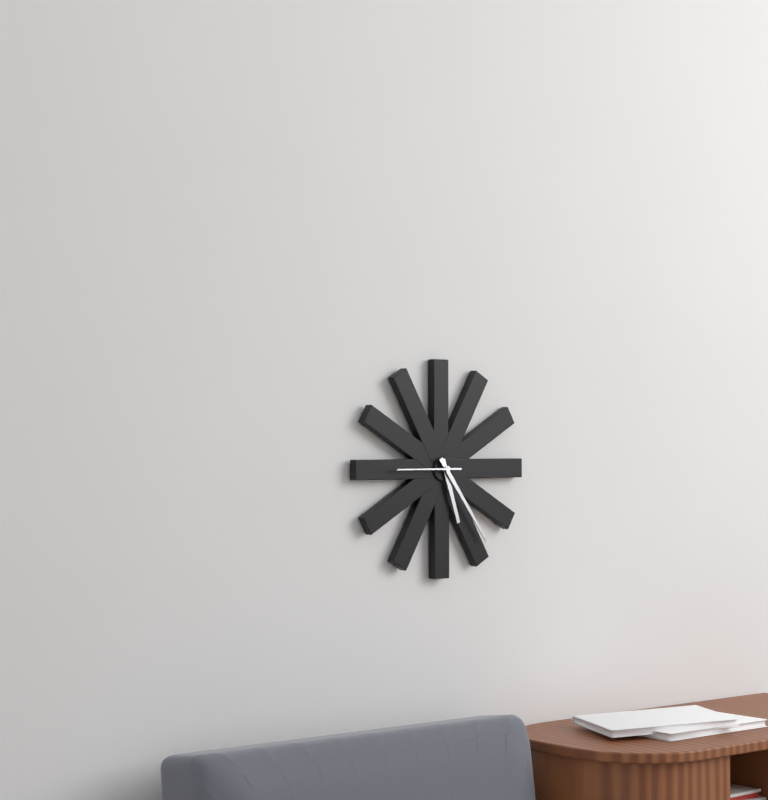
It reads {"hour": 5, "minute": 24, "second": 45}
